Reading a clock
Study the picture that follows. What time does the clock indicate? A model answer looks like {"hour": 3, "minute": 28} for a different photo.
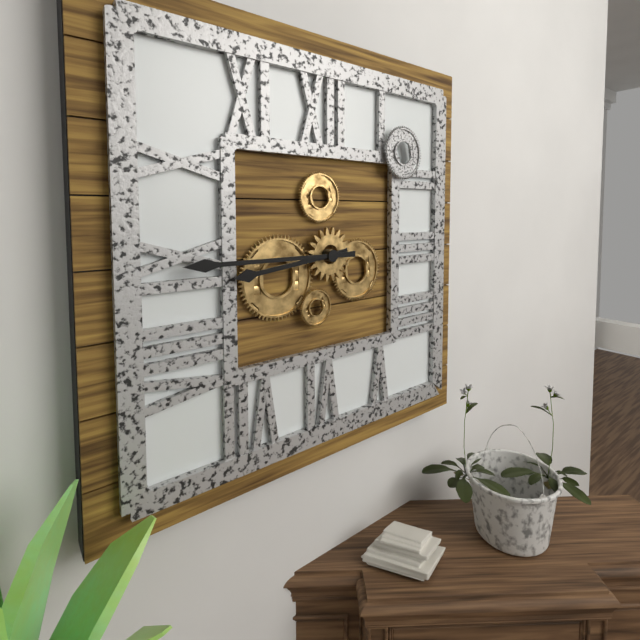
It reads {"hour": 8, "minute": 45}
